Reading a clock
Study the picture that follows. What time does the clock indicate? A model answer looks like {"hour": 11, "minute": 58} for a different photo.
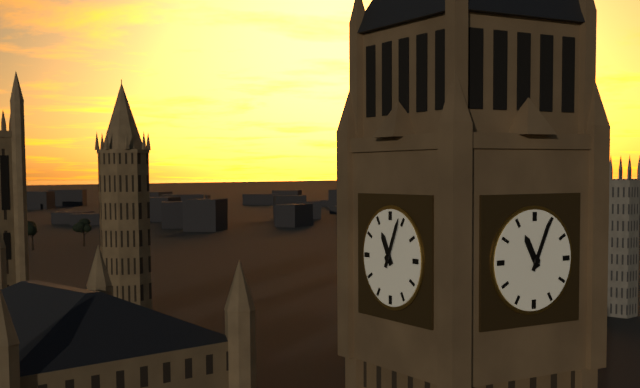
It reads {"hour": 11, "minute": 4}
